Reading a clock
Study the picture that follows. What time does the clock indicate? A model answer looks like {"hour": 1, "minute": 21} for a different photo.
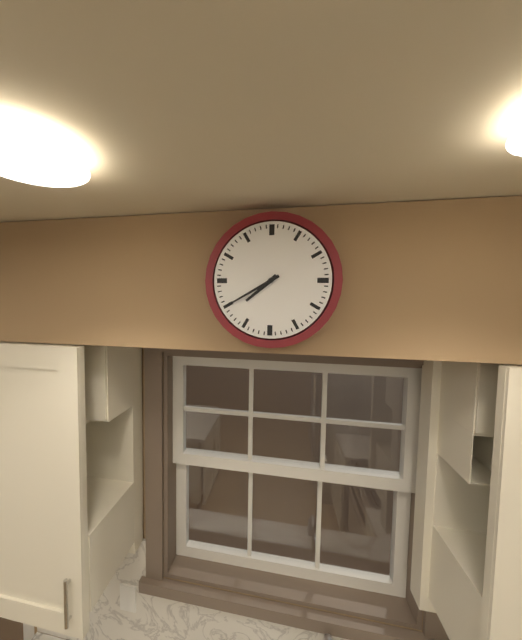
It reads {"hour": 7, "minute": 40}
